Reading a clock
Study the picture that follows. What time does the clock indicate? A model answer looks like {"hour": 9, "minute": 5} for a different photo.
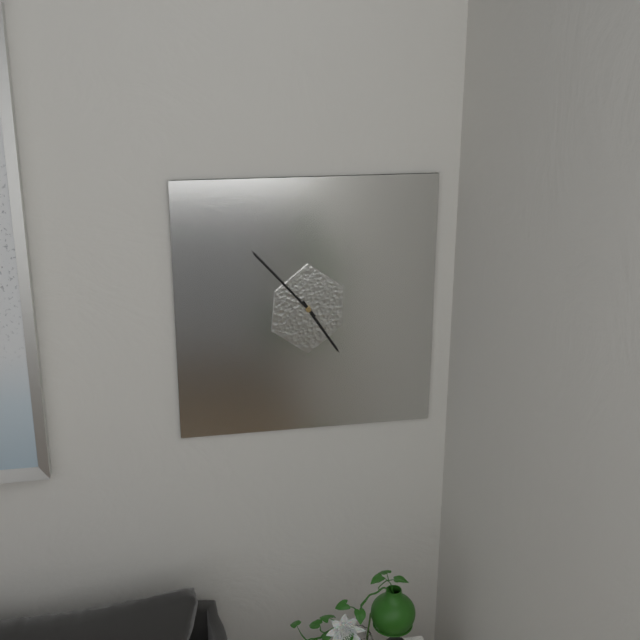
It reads {"hour": 4, "minute": 53}
